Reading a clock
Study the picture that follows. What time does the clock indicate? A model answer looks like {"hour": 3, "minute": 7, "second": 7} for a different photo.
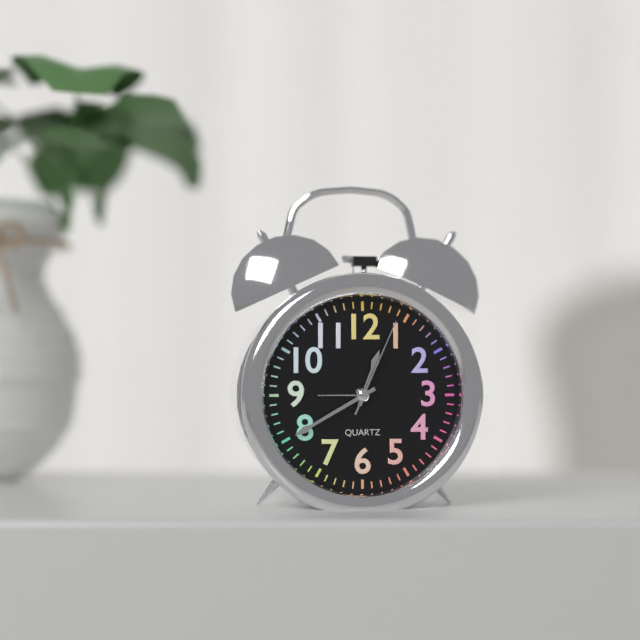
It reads {"hour": 12, "minute": 40, "second": 4}
